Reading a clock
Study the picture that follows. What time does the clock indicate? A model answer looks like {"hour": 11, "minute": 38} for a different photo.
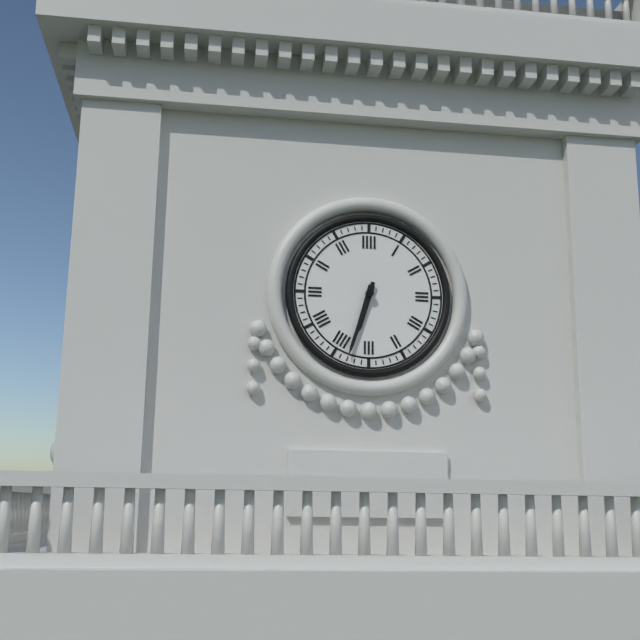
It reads {"hour": 6, "minute": 33}
